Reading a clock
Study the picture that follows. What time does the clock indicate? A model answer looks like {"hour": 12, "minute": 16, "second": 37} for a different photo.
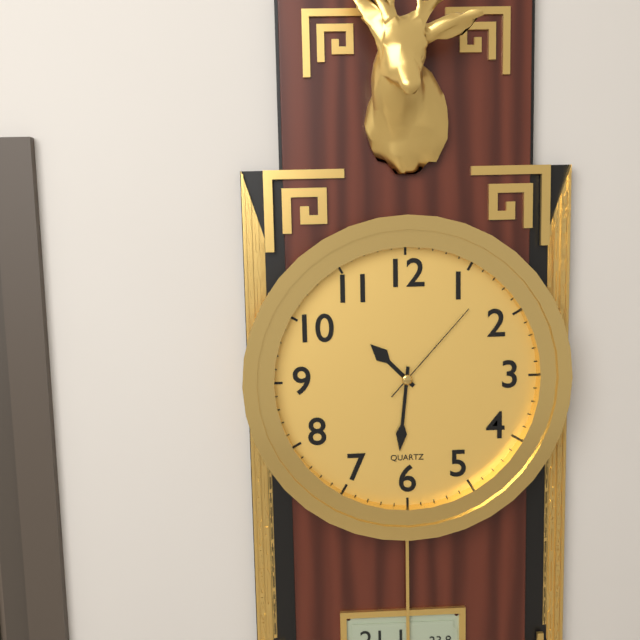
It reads {"hour": 10, "minute": 31, "second": 7}
